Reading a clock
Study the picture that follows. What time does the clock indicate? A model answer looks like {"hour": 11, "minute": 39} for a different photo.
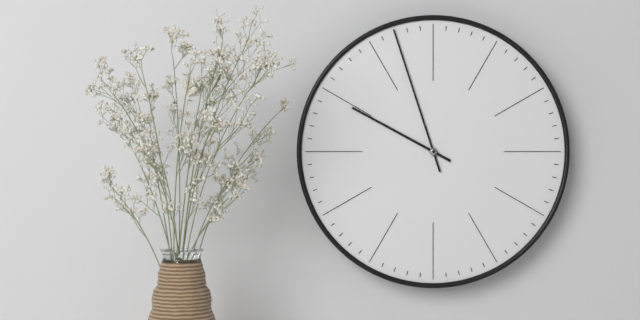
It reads {"hour": 9, "minute": 57}
